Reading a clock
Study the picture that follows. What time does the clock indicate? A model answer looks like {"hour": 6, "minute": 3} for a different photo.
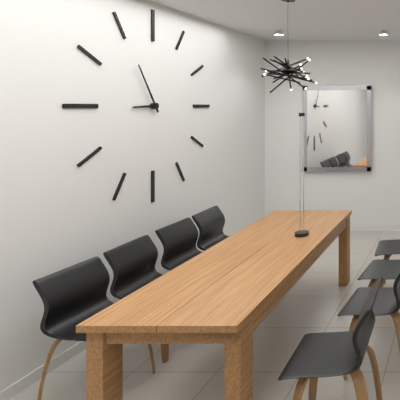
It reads {"hour": 8, "minute": 55}
